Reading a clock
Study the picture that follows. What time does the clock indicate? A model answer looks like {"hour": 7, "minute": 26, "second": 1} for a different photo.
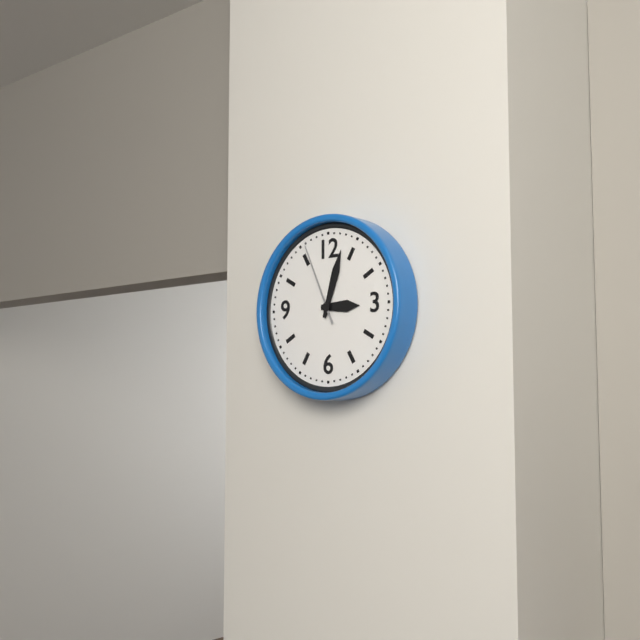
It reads {"hour": 3, "minute": 3, "second": 56}
